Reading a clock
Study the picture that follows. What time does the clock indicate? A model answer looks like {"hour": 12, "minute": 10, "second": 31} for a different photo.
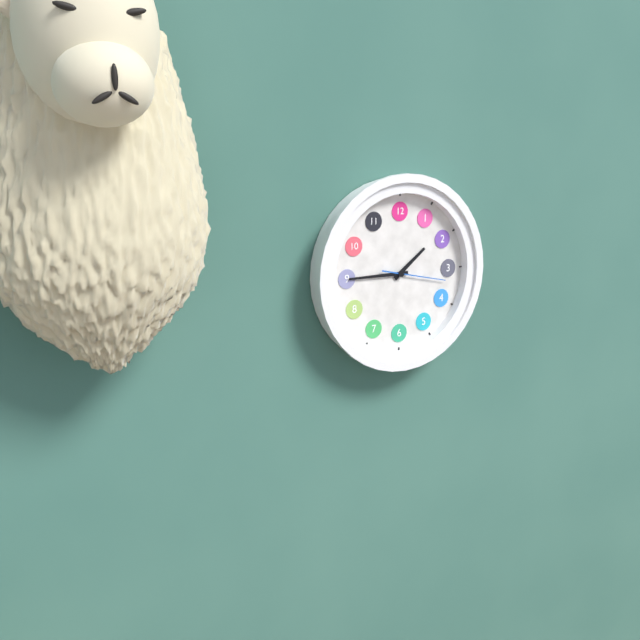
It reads {"hour": 1, "minute": 45, "second": 17}
